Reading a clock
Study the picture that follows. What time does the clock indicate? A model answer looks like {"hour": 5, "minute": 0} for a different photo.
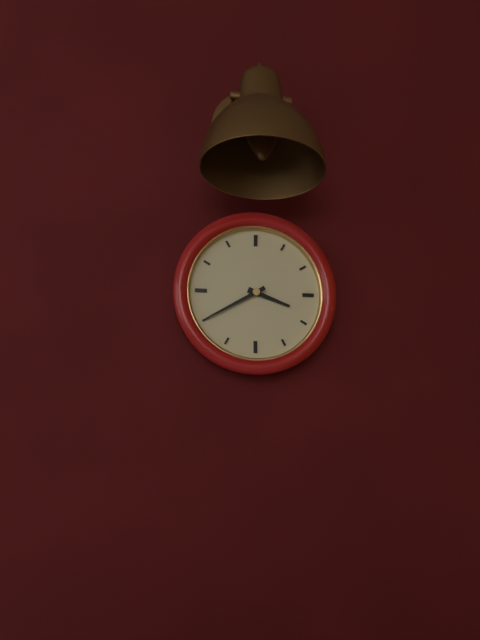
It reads {"hour": 3, "minute": 40}
